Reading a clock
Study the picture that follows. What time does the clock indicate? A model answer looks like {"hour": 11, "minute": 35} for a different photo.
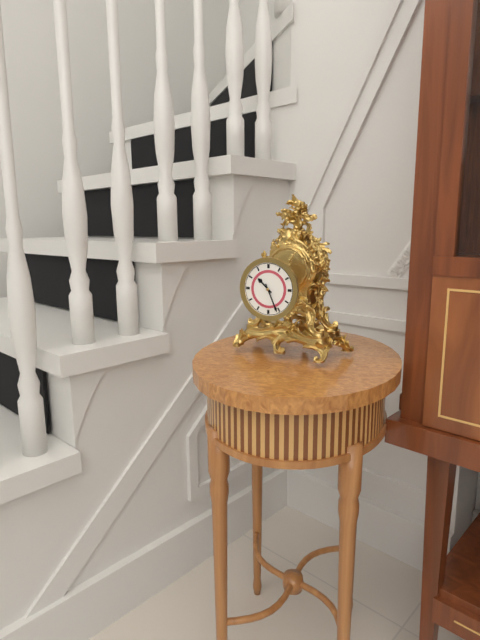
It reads {"hour": 10, "minute": 26}
